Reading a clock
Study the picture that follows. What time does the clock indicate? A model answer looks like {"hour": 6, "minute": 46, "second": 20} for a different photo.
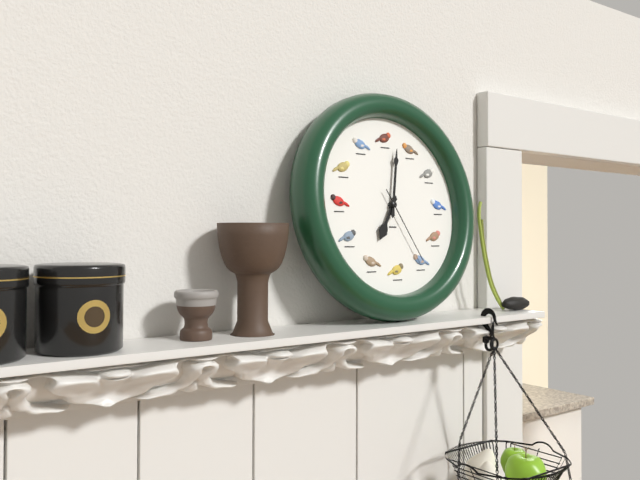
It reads {"hour": 7, "minute": 2, "second": 25}
